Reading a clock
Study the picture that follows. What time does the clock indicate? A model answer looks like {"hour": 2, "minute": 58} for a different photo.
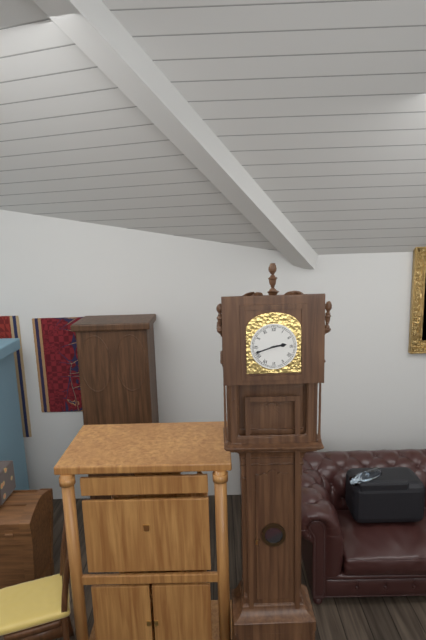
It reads {"hour": 2, "minute": 42}
